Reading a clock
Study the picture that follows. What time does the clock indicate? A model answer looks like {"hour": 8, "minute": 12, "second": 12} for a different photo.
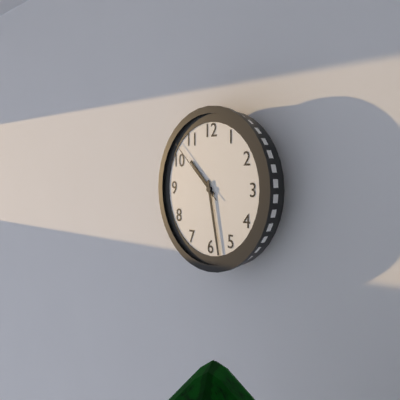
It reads {"hour": 10, "minute": 28, "second": 52}
